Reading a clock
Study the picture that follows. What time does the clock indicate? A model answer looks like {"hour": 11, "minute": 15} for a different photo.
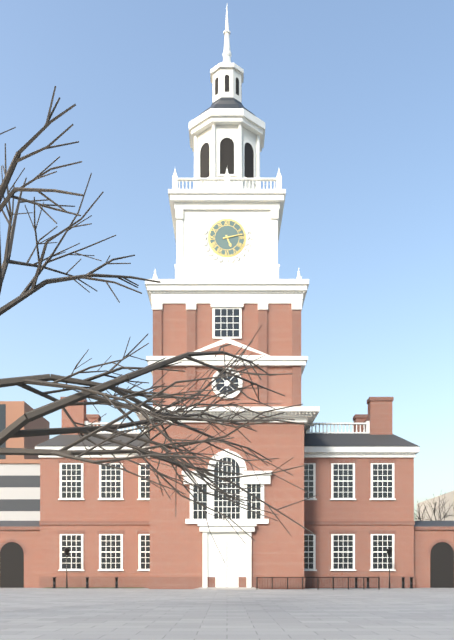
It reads {"hour": 5, "minute": 13}
